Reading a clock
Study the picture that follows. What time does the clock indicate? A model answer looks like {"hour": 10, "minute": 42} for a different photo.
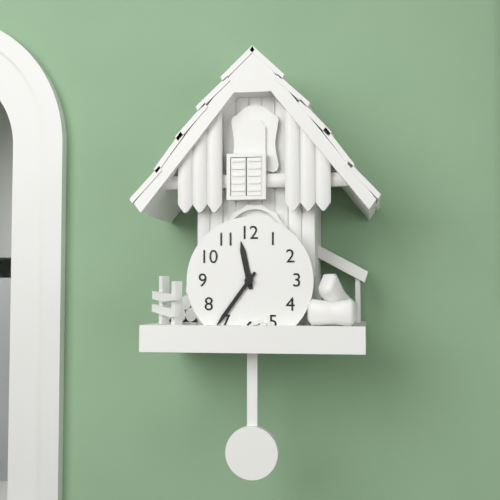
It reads {"hour": 11, "minute": 36}
